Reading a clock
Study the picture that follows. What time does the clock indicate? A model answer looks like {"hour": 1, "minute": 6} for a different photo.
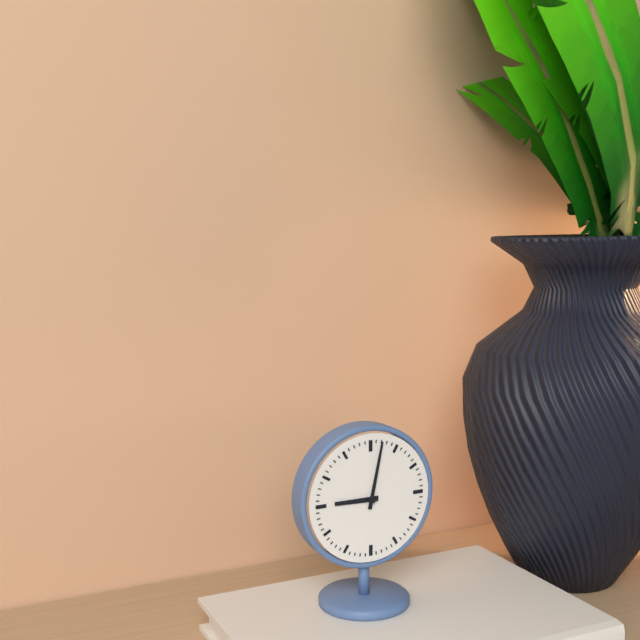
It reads {"hour": 9, "minute": 2}
